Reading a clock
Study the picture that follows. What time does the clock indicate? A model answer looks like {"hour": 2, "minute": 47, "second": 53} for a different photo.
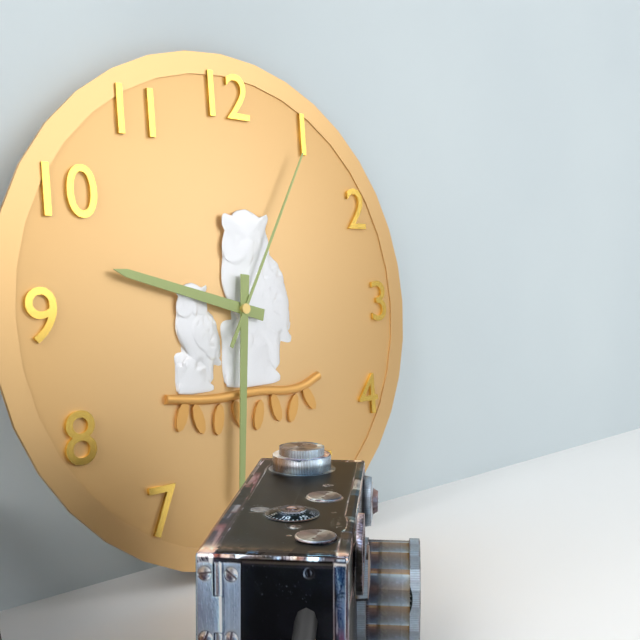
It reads {"hour": 9, "minute": 31, "second": 5}
